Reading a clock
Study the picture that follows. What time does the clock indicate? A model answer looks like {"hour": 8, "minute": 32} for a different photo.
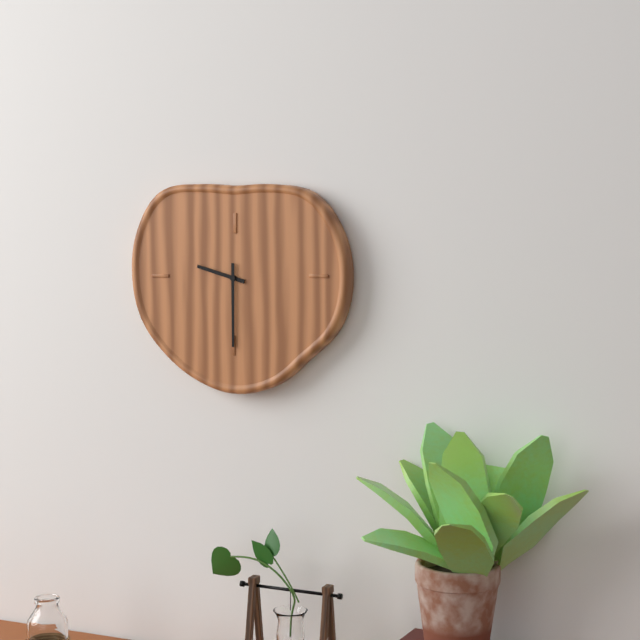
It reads {"hour": 9, "minute": 30}
